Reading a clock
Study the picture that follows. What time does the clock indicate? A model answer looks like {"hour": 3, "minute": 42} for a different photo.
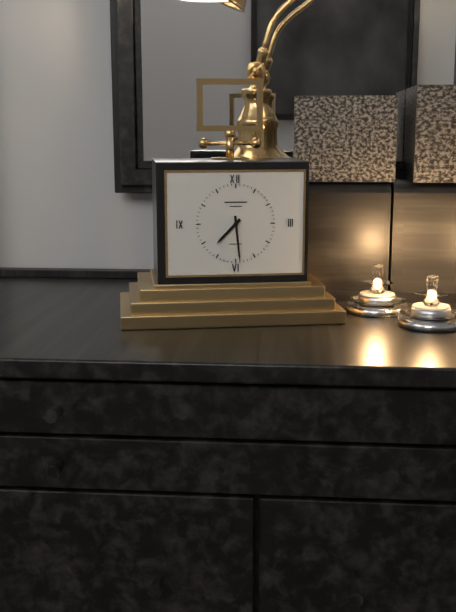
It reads {"hour": 7, "minute": 29}
